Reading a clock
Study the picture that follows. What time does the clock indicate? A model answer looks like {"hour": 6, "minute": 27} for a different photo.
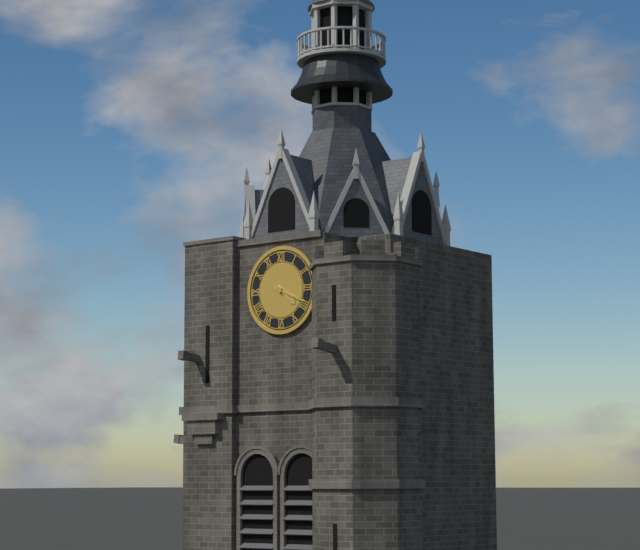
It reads {"hour": 4, "minute": 19}
